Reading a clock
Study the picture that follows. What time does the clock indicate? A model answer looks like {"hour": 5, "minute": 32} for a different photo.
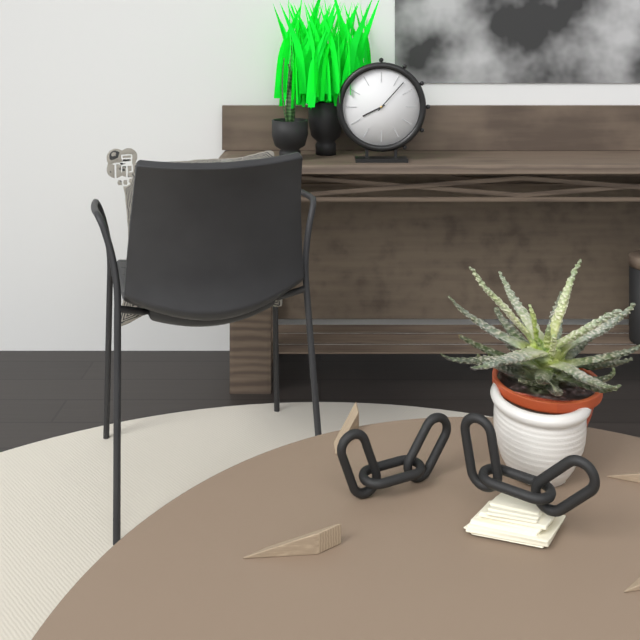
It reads {"hour": 8, "minute": 7}
